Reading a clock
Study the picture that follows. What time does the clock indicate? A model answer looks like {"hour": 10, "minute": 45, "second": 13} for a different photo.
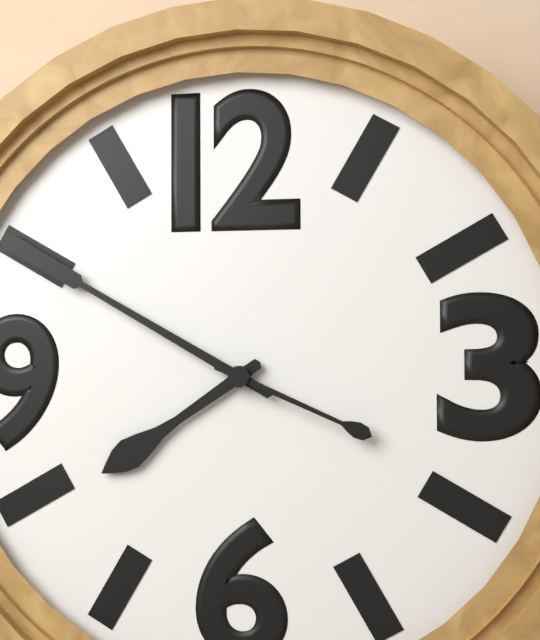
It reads {"hour": 7, "minute": 50, "second": 19}
